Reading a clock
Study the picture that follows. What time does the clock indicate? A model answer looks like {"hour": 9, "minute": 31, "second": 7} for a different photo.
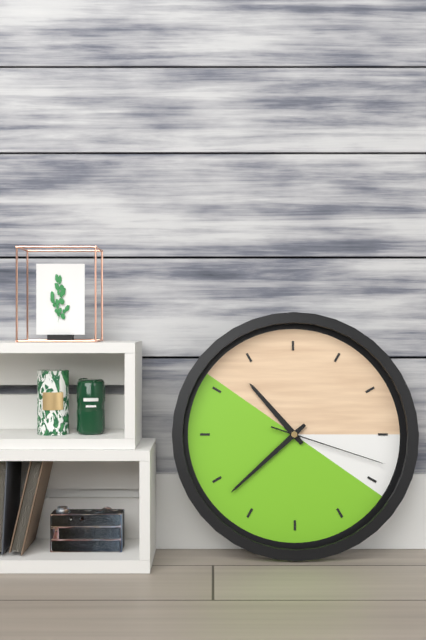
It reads {"hour": 10, "minute": 38, "second": 18}
